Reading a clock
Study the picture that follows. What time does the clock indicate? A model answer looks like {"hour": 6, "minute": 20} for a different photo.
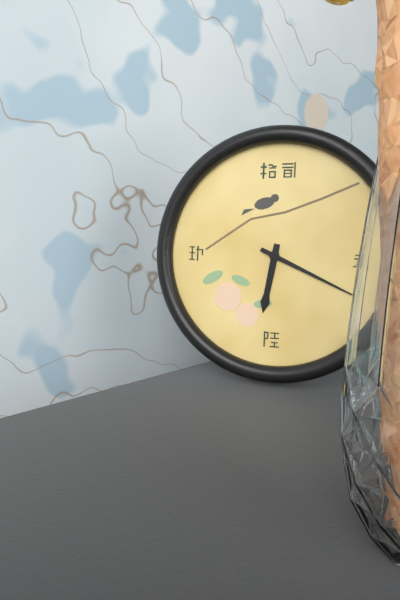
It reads {"hour": 6, "minute": 19}
